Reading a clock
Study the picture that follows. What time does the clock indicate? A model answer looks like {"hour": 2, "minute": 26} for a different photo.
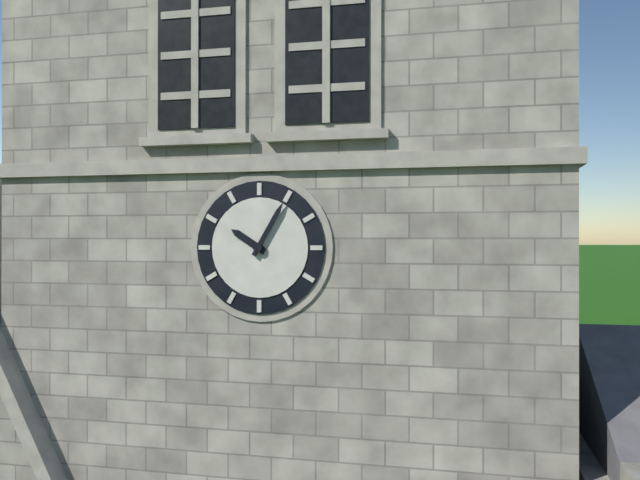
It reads {"hour": 10, "minute": 5}
